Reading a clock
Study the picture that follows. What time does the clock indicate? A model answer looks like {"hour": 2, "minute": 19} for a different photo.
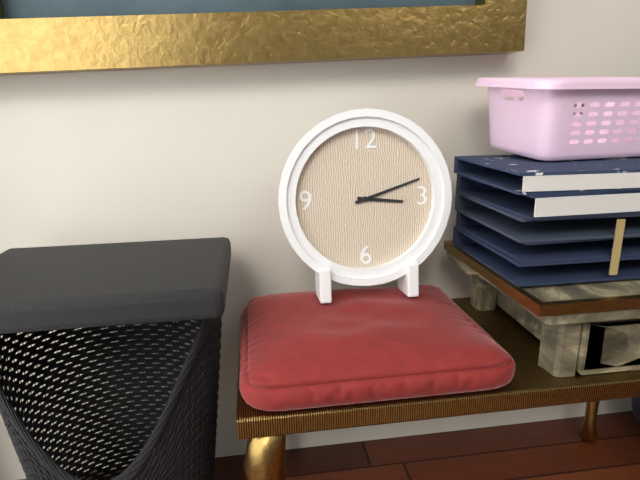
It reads {"hour": 3, "minute": 12}
